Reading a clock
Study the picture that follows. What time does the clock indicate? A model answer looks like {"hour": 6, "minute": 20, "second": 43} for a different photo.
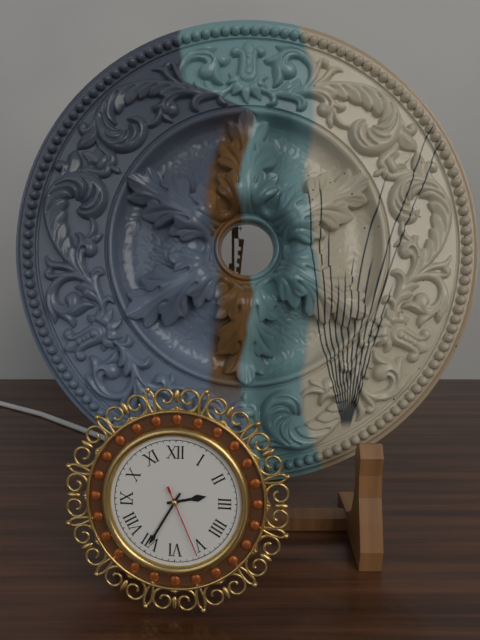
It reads {"hour": 2, "minute": 35, "second": 26}
